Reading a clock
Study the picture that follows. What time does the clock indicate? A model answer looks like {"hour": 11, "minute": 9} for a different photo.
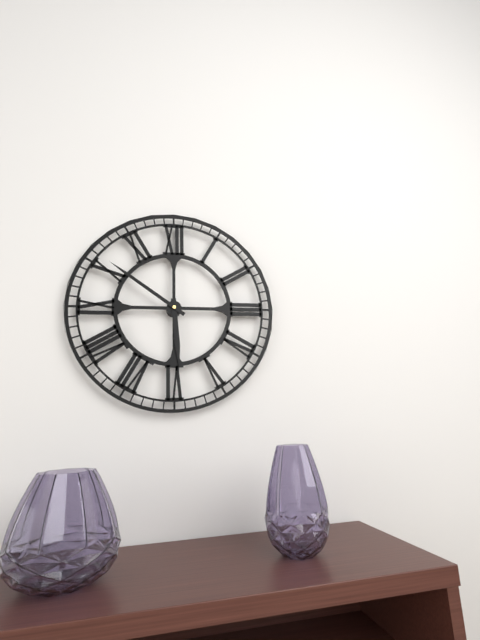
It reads {"hour": 5, "minute": 51}
